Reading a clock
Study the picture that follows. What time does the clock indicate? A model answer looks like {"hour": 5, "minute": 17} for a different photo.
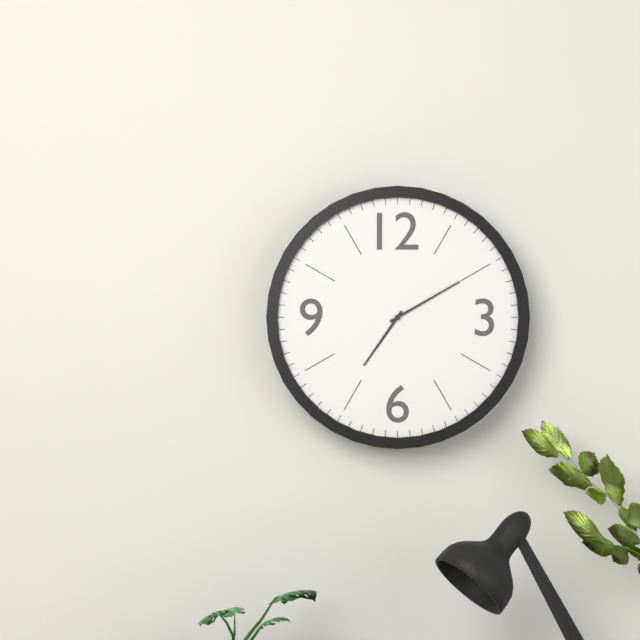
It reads {"hour": 7, "minute": 10}
